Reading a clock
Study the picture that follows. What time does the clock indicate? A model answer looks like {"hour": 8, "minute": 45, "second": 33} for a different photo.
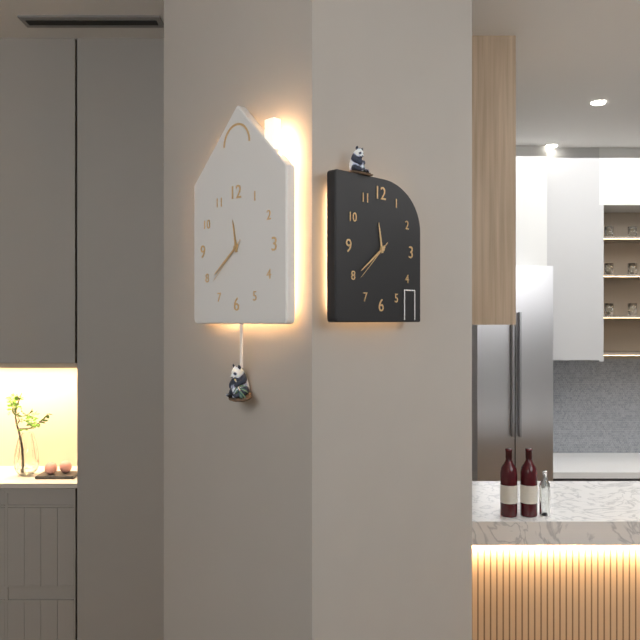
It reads {"hour": 11, "minute": 39, "second": 38}
